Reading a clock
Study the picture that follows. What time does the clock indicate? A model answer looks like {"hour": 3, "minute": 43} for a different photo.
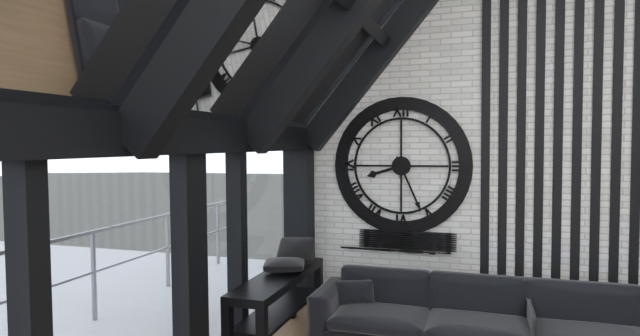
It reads {"hour": 8, "minute": 26}
